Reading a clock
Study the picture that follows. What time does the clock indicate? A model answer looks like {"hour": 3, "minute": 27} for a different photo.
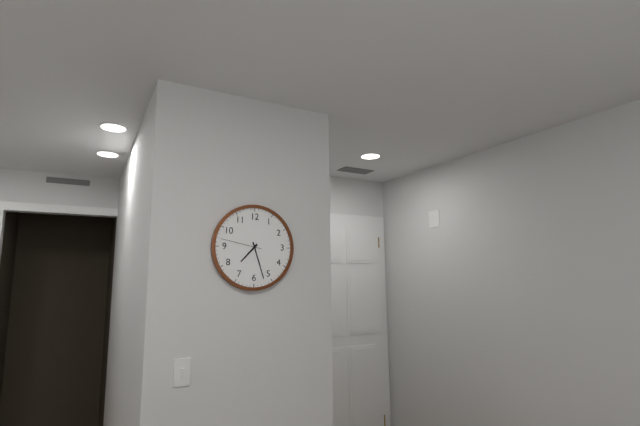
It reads {"hour": 7, "minute": 27}
